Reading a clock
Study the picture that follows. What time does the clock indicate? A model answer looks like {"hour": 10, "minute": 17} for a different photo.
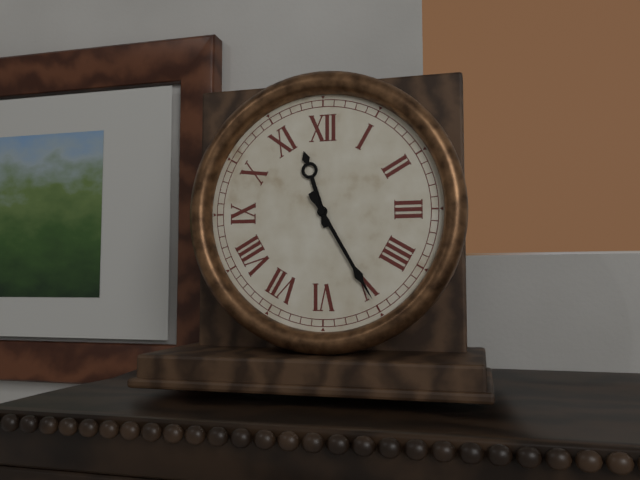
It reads {"hour": 11, "minute": 25}
